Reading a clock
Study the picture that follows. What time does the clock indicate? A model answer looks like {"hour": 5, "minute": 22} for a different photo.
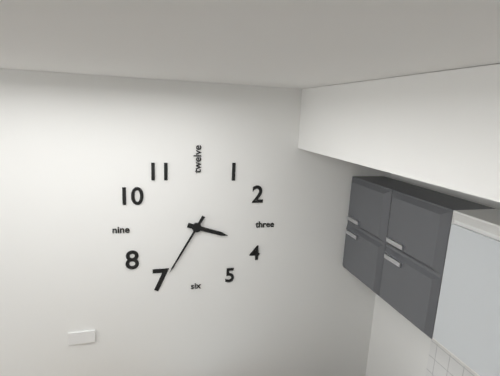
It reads {"hour": 3, "minute": 35}
